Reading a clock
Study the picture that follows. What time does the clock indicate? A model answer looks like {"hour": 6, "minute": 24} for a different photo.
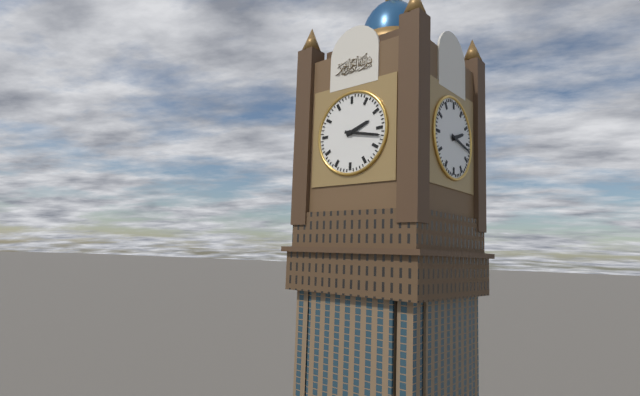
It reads {"hour": 2, "minute": 17}
